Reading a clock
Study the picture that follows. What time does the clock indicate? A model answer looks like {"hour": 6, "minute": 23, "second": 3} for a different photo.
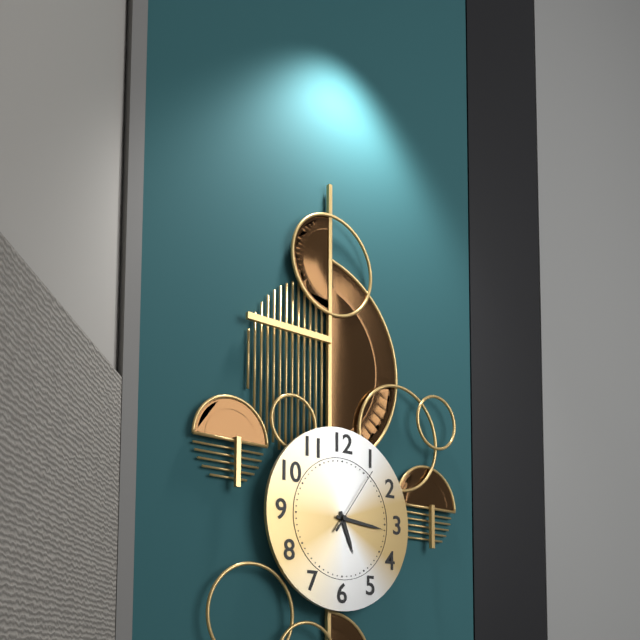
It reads {"hour": 5, "minute": 16, "second": 6}
